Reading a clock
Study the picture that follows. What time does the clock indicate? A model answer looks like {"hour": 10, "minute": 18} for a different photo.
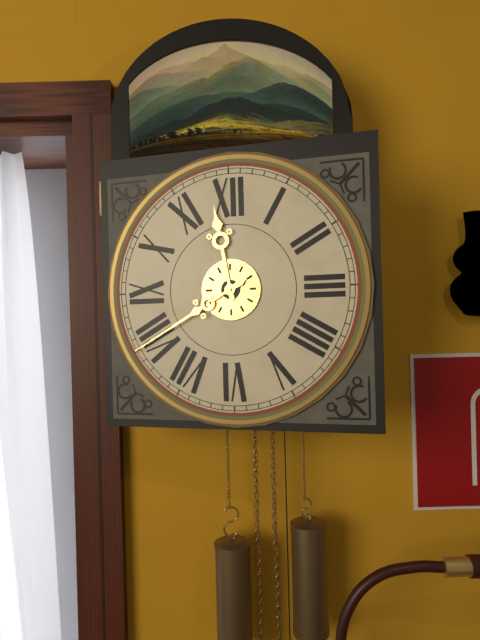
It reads {"hour": 11, "minute": 40}
